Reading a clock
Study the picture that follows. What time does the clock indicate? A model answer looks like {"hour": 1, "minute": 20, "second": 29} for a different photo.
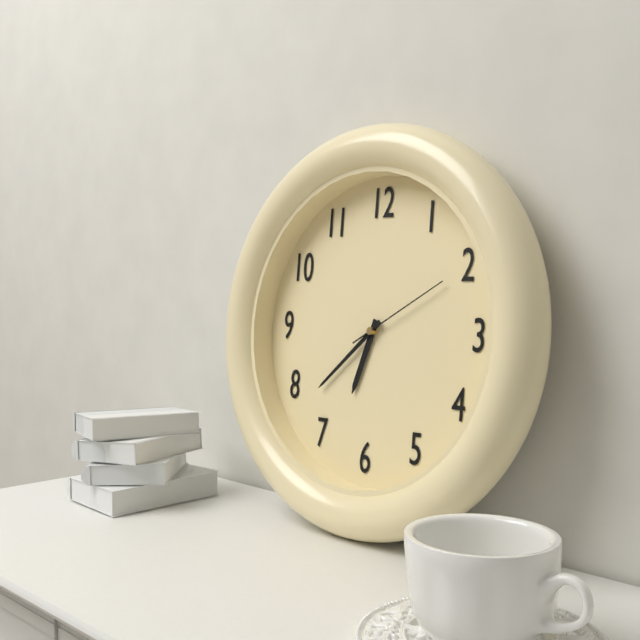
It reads {"hour": 6, "minute": 38, "second": 10}
